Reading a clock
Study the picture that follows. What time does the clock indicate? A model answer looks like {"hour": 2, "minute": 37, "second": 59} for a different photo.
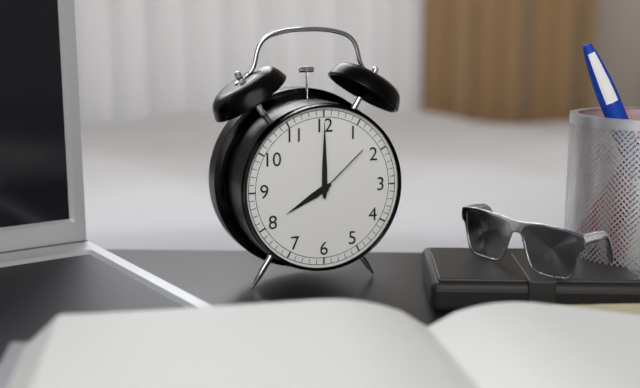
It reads {"hour": 8, "minute": 0, "second": 8}
